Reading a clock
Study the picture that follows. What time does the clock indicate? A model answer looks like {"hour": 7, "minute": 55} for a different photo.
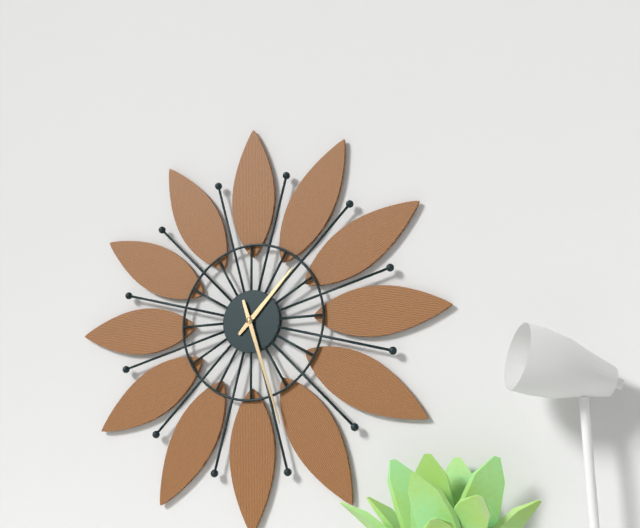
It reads {"hour": 1, "minute": 27}
